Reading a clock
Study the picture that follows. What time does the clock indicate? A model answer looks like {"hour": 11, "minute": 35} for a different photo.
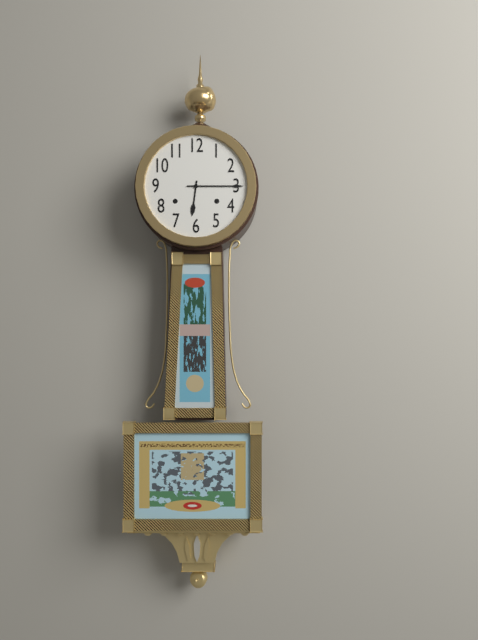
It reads {"hour": 6, "minute": 15}
